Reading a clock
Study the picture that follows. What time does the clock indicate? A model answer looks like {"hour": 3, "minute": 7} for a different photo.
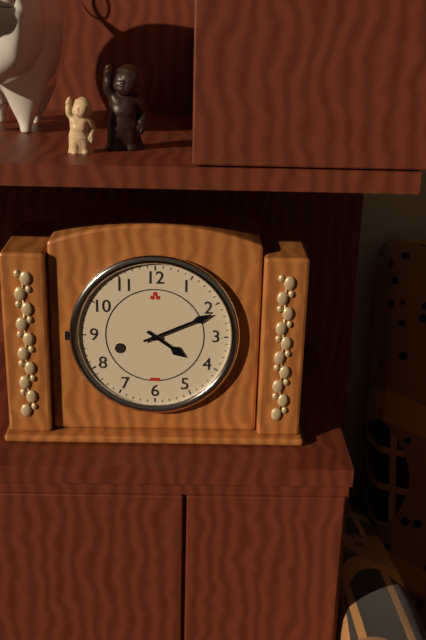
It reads {"hour": 4, "minute": 11}
